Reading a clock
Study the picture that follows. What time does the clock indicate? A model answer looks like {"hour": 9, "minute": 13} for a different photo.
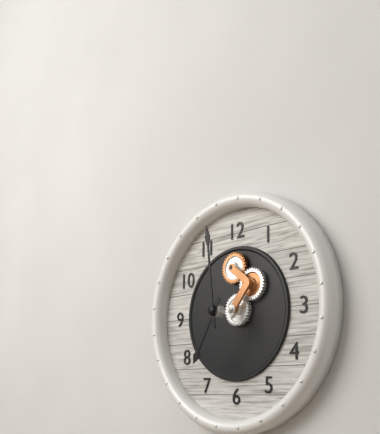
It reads {"hour": 6, "minute": 59}
